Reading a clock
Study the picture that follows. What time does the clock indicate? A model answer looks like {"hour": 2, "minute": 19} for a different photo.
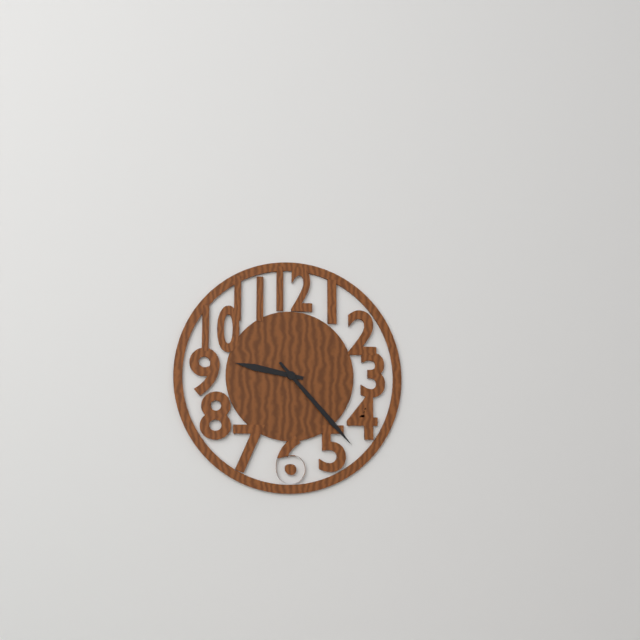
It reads {"hour": 9, "minute": 23}
